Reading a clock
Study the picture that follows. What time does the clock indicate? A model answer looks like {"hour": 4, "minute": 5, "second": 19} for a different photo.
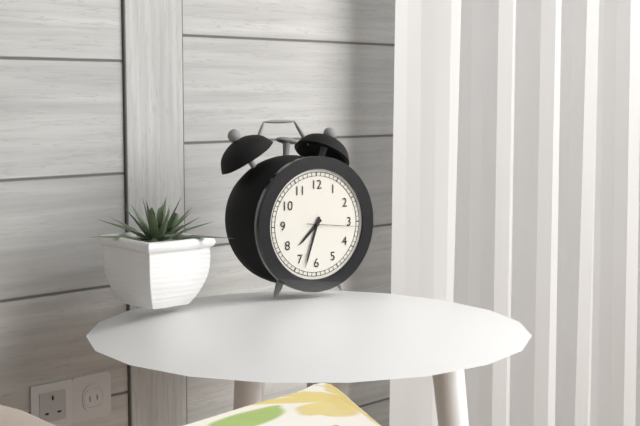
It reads {"hour": 7, "minute": 33, "second": 16}
